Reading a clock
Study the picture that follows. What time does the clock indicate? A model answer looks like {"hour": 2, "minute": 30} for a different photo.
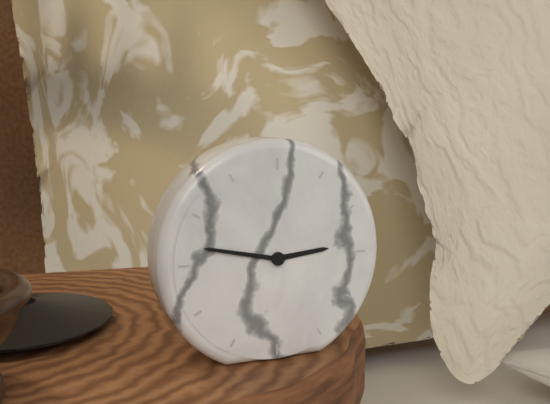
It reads {"hour": 2, "minute": 47}
